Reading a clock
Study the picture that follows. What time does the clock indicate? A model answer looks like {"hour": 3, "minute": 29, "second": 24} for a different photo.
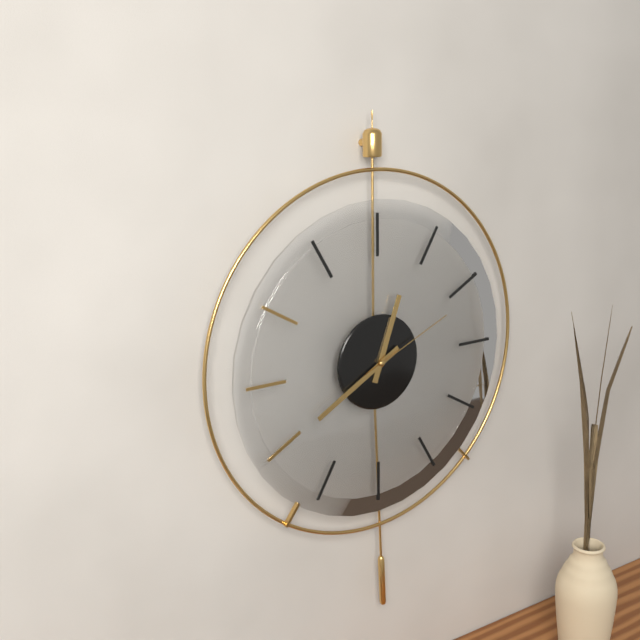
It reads {"hour": 12, "minute": 40, "second": 11}
